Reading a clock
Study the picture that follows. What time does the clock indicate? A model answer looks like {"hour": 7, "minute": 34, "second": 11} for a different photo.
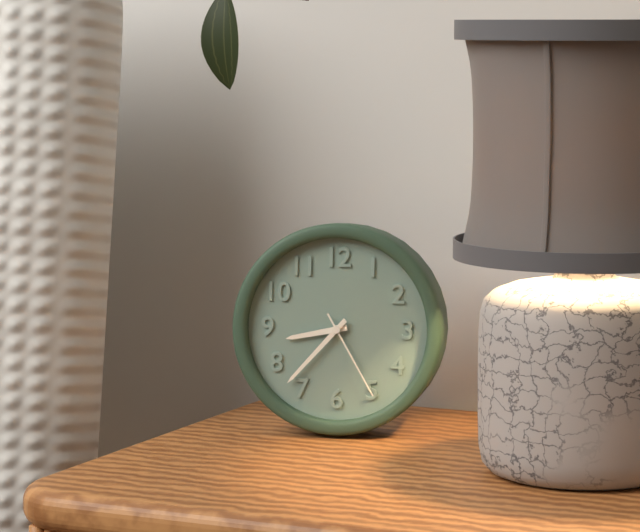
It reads {"hour": 8, "minute": 37, "second": 25}
